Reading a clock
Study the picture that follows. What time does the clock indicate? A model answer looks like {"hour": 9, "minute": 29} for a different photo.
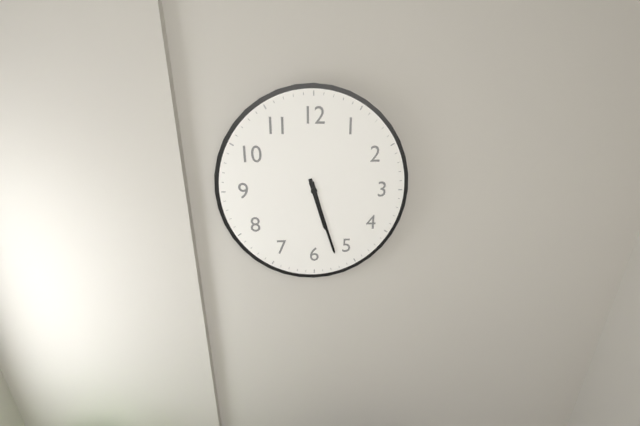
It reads {"hour": 5, "minute": 27}
